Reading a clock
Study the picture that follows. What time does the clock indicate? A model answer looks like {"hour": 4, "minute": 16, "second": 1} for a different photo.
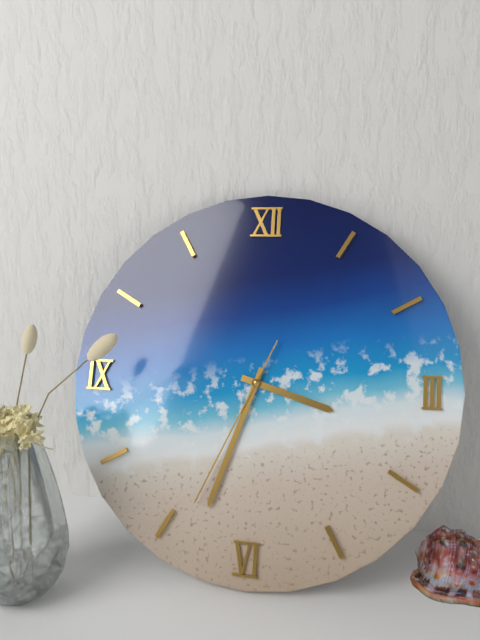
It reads {"hour": 3, "minute": 33, "second": 34}
